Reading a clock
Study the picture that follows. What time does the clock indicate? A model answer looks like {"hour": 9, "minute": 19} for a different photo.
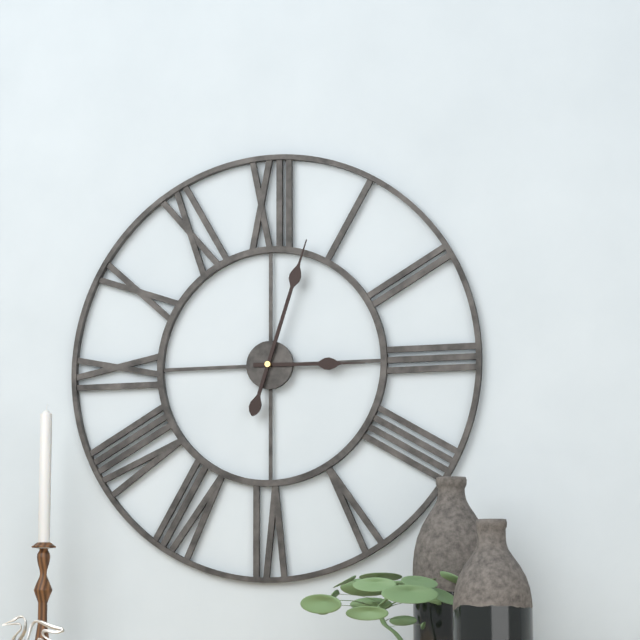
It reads {"hour": 3, "minute": 3}
